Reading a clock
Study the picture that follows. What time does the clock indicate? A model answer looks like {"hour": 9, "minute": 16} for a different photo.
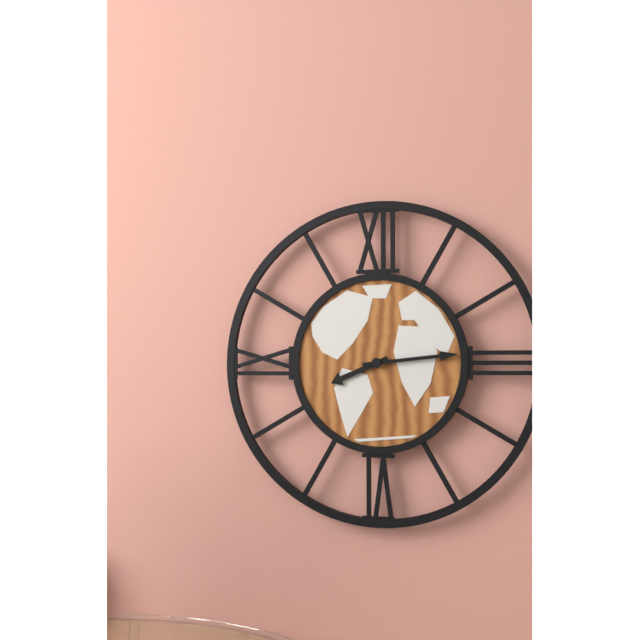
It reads {"hour": 8, "minute": 14}
